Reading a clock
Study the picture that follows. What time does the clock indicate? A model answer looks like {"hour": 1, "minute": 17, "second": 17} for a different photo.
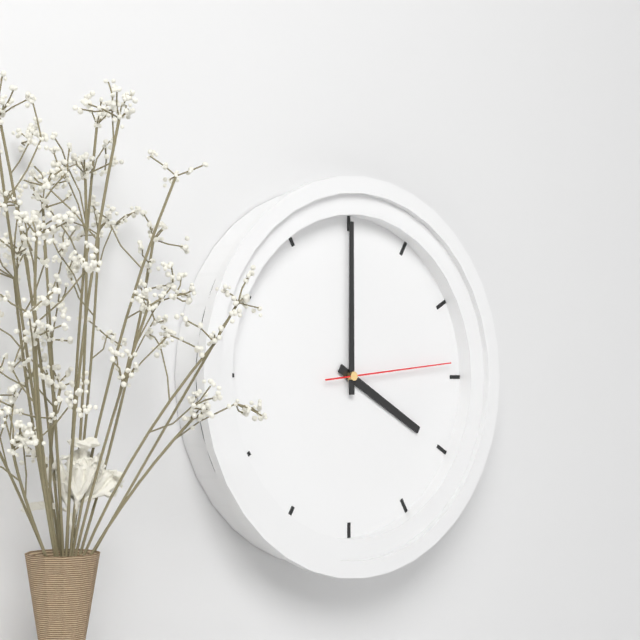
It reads {"hour": 4, "minute": 0, "second": 14}
